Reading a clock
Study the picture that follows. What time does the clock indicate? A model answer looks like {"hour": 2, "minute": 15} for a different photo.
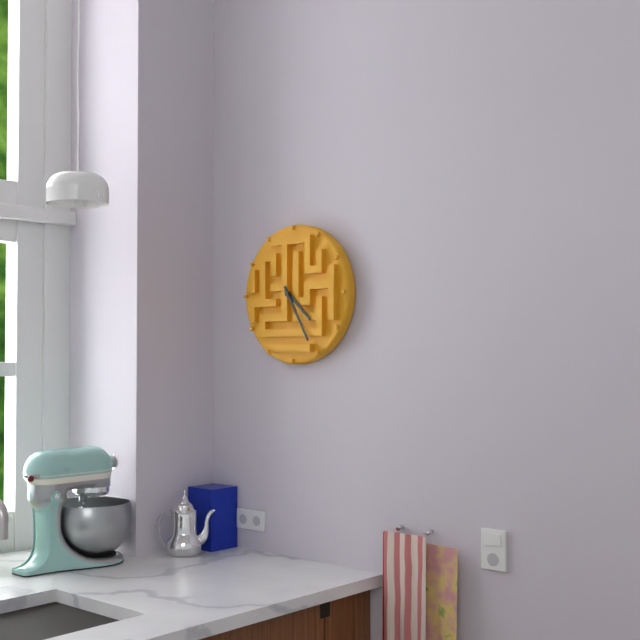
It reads {"hour": 4, "minute": 25}
